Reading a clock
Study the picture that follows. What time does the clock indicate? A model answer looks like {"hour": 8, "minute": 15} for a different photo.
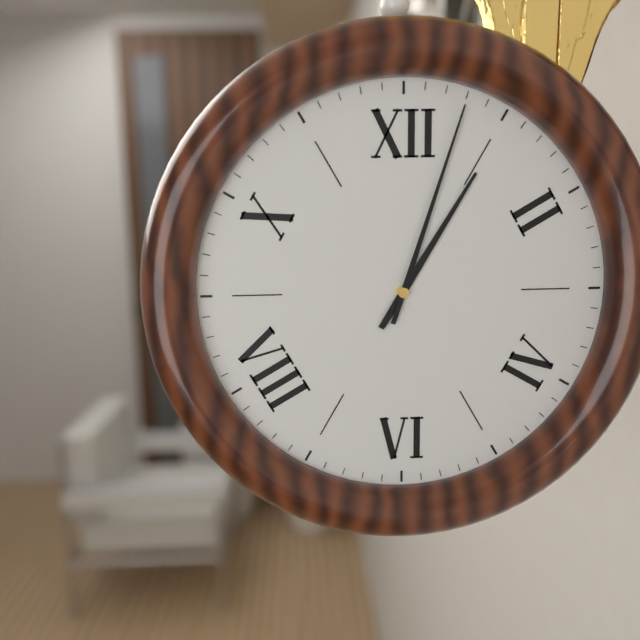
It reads {"hour": 1, "minute": 3}
